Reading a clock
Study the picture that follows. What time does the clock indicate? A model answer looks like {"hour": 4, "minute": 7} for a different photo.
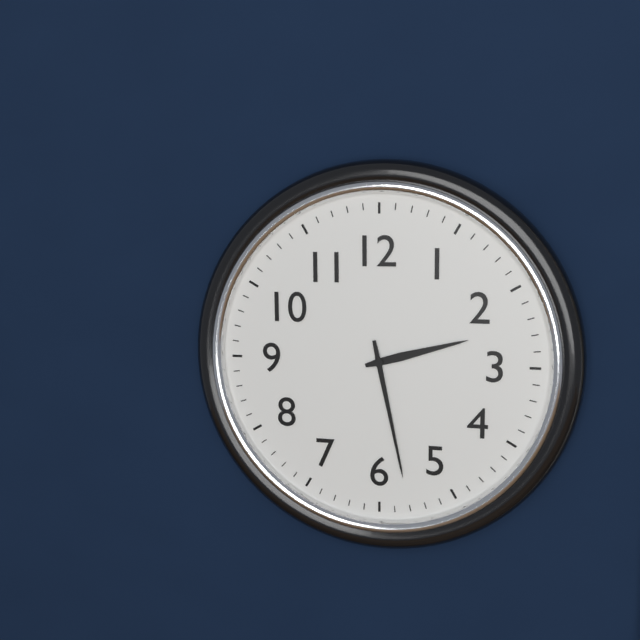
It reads {"hour": 2, "minute": 28}
